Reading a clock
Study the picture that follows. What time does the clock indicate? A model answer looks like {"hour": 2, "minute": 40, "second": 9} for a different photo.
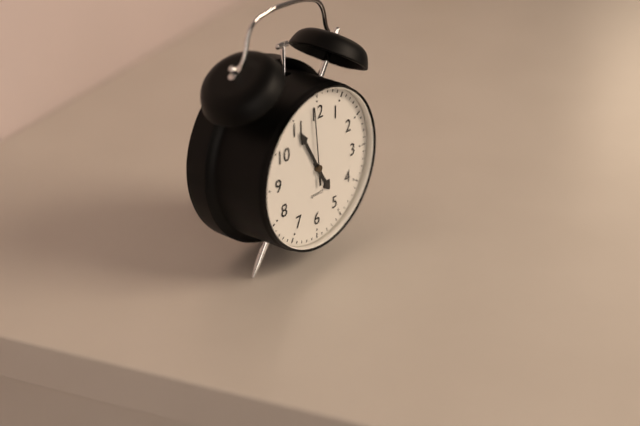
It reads {"hour": 4, "minute": 55, "second": 59}
